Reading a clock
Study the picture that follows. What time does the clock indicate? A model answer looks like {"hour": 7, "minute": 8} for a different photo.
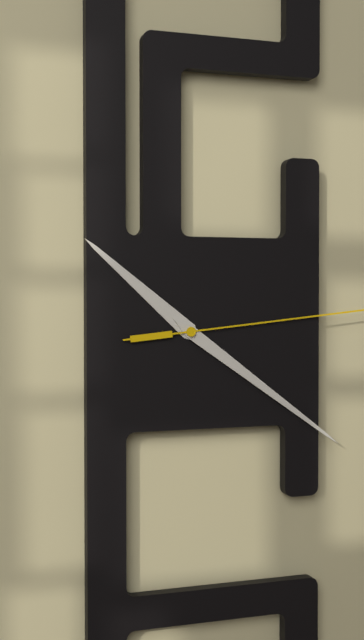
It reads {"hour": 10, "minute": 21}
